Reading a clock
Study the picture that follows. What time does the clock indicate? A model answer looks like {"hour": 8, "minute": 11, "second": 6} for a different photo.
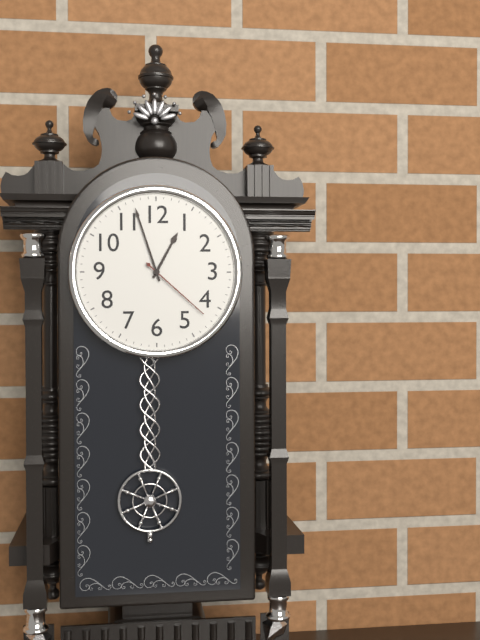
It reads {"hour": 12, "minute": 57, "second": 22}
